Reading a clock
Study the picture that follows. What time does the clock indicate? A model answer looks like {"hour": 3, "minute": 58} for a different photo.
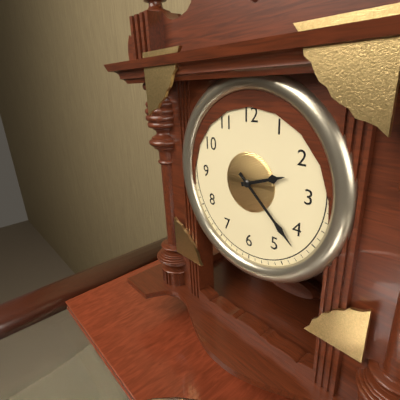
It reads {"hour": 2, "minute": 22}
